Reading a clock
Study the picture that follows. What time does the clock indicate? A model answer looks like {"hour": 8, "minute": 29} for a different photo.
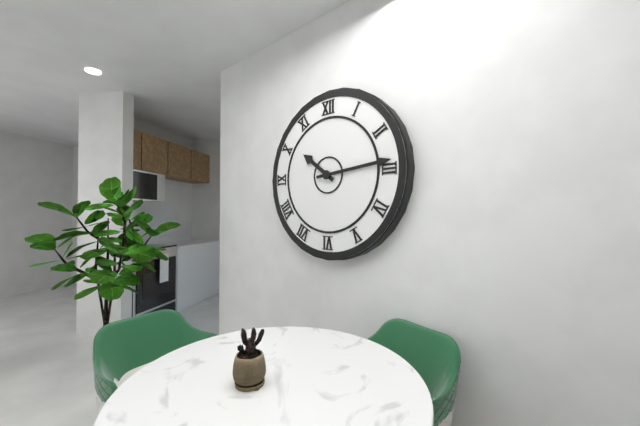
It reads {"hour": 10, "minute": 14}
